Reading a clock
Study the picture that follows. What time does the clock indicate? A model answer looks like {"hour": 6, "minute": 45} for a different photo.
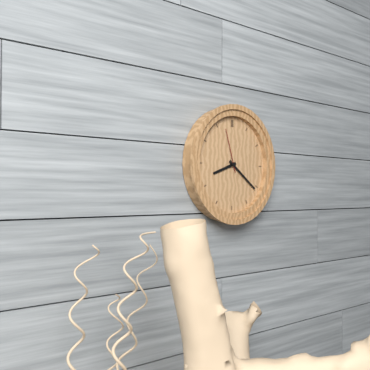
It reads {"hour": 8, "minute": 21}
